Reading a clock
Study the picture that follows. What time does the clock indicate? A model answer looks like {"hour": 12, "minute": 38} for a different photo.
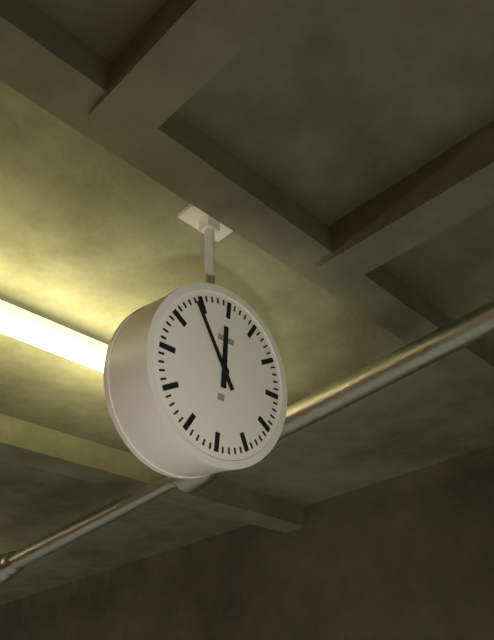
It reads {"hour": 11, "minute": 54}
